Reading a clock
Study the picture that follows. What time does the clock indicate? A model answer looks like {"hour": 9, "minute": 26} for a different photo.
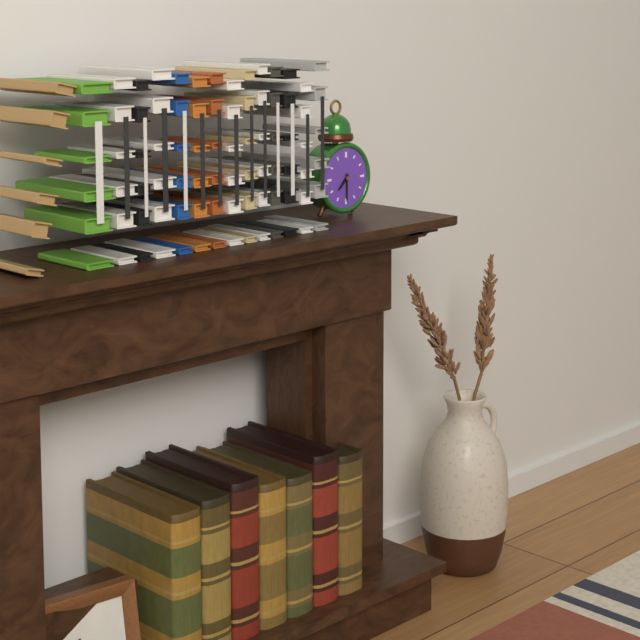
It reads {"hour": 7, "minute": 30}
